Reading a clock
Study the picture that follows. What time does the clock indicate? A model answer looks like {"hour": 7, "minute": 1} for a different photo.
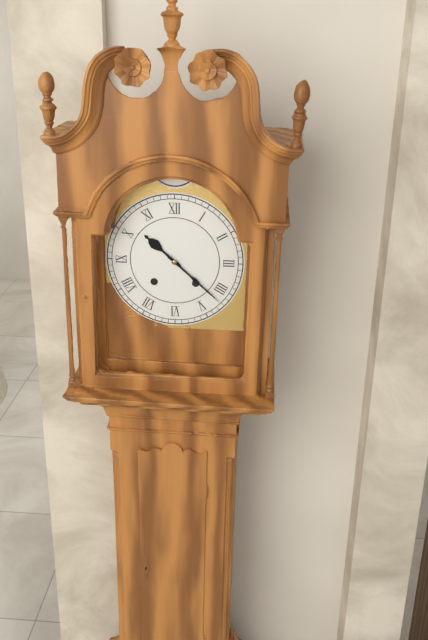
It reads {"hour": 10, "minute": 22}
